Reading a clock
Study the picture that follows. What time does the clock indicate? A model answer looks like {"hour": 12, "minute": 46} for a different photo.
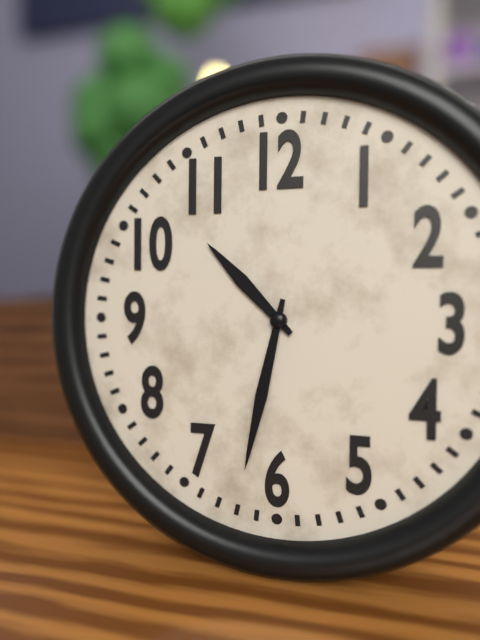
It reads {"hour": 10, "minute": 32}
